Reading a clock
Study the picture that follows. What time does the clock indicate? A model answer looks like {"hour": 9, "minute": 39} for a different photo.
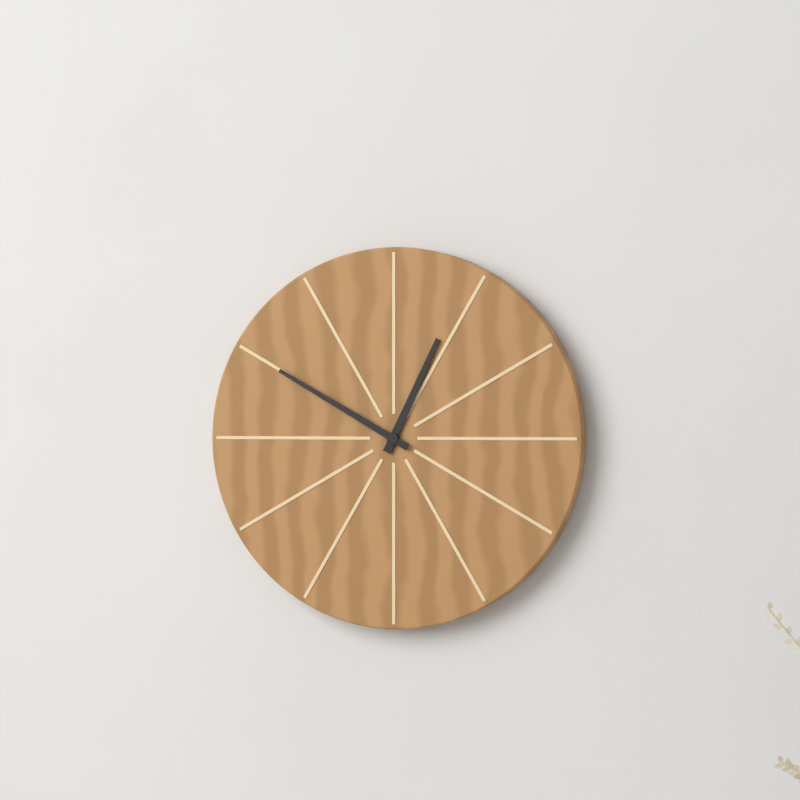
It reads {"hour": 12, "minute": 50}
